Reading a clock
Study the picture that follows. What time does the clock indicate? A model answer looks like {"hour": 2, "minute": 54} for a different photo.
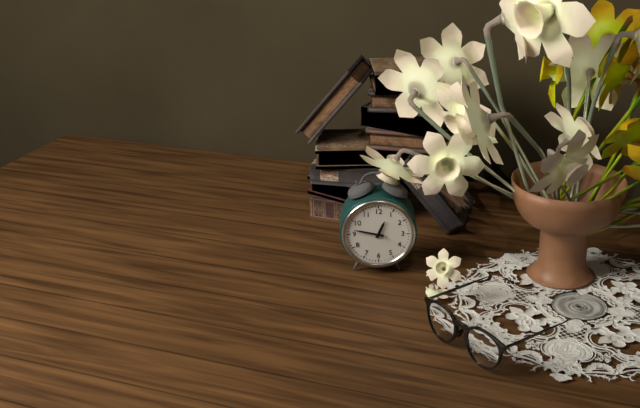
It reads {"hour": 12, "minute": 47}
